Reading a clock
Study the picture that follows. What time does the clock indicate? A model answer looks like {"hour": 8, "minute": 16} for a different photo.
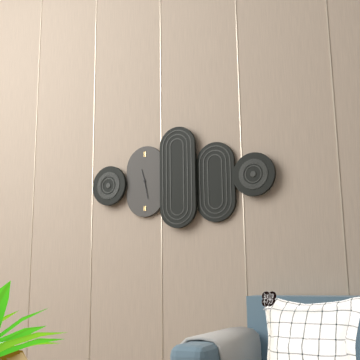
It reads {"hour": 11, "minute": 28}
